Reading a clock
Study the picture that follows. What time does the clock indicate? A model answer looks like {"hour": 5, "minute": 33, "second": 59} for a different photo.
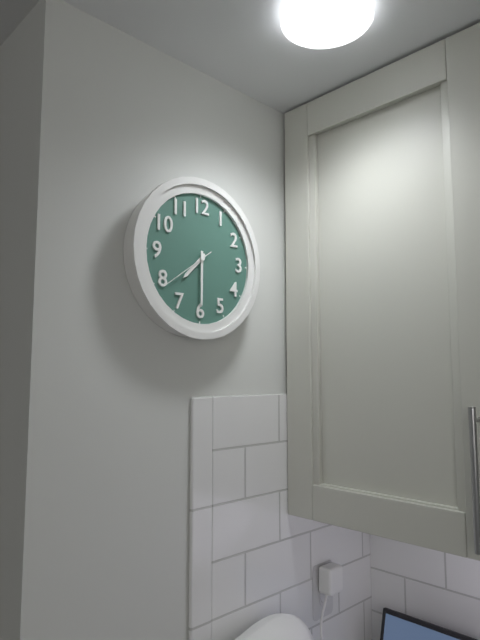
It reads {"hour": 7, "minute": 30, "second": 39}
